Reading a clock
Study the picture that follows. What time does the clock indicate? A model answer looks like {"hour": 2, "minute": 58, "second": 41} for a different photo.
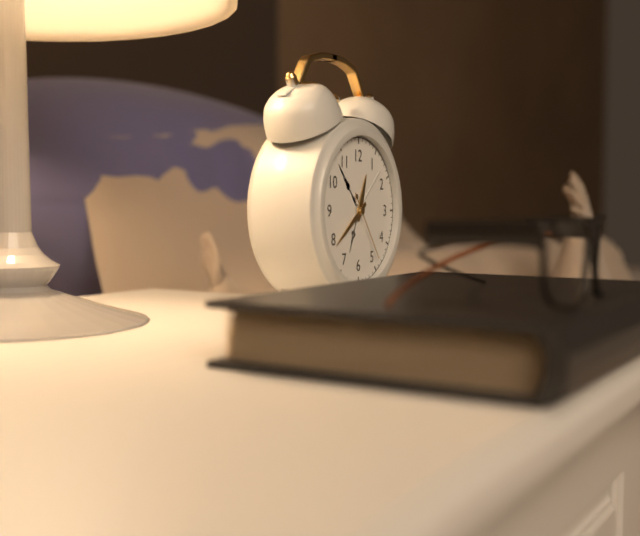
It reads {"hour": 12, "minute": 39, "second": 24}
